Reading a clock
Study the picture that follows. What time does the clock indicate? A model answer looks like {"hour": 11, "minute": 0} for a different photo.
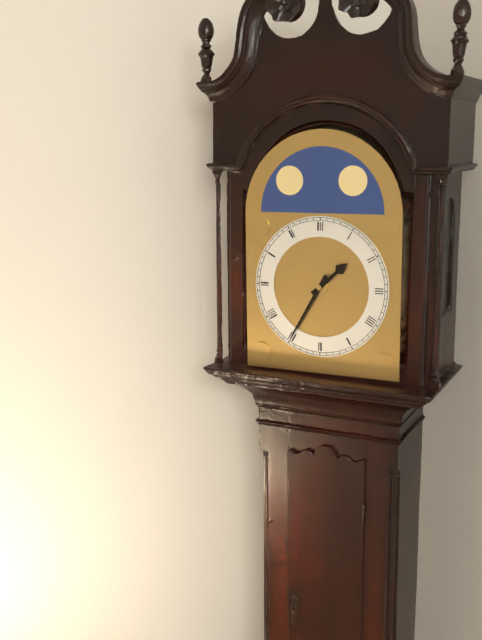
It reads {"hour": 1, "minute": 35}
